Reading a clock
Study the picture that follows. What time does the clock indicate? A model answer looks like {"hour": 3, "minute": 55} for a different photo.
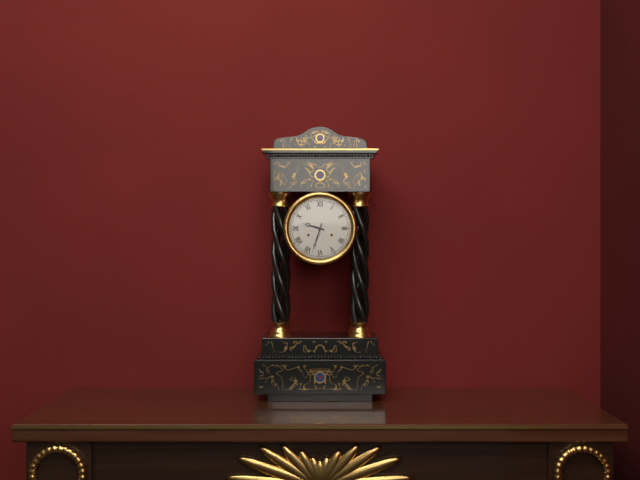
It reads {"hour": 9, "minute": 33}
